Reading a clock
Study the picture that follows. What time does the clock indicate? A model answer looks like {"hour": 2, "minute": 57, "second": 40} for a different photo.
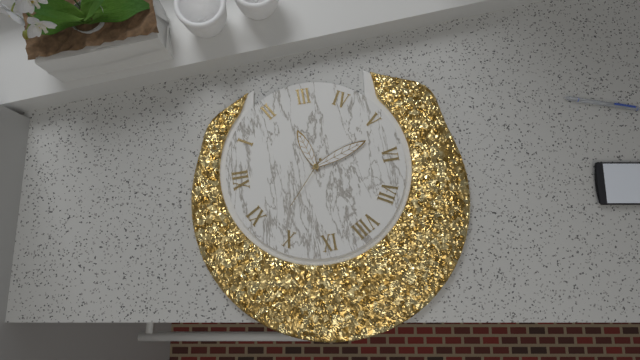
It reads {"hour": 2, "minute": 27, "second": 52}
